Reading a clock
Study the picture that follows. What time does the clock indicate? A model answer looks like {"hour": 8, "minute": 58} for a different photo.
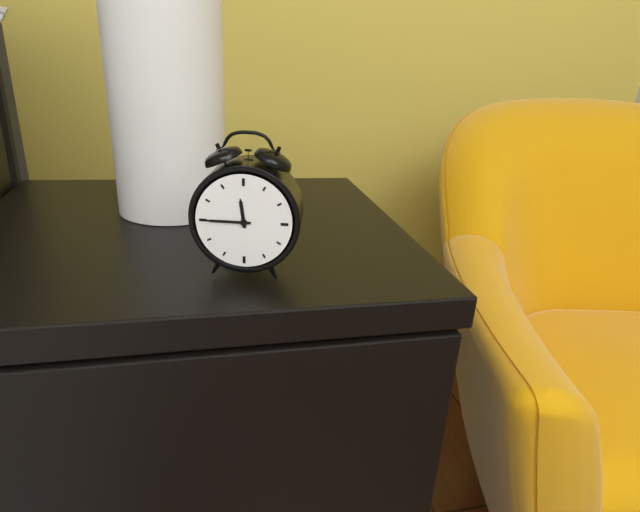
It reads {"hour": 11, "minute": 45}
